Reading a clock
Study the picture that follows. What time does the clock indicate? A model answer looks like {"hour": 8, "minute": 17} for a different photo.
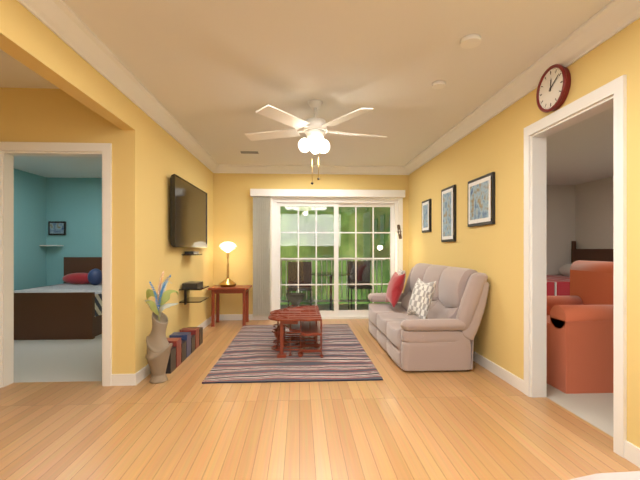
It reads {"hour": 12, "minute": 9}
